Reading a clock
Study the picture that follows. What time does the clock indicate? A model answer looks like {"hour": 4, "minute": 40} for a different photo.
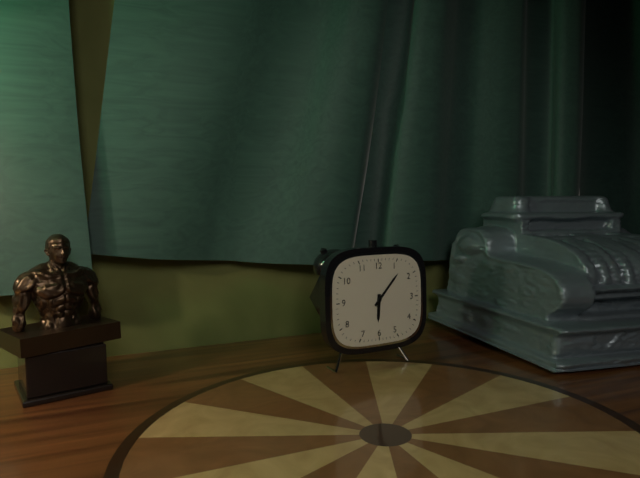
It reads {"hour": 6, "minute": 7}
